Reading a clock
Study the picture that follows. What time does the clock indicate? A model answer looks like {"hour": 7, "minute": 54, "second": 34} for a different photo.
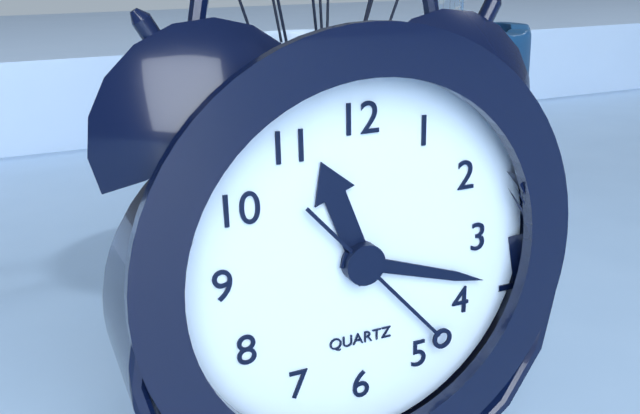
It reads {"hour": 11, "minute": 18, "second": 23}
